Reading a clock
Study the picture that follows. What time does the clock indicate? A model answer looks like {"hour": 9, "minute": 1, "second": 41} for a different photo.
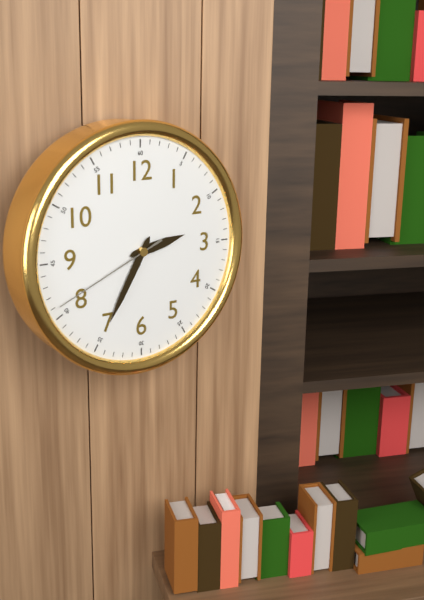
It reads {"hour": 2, "minute": 35, "second": 41}
